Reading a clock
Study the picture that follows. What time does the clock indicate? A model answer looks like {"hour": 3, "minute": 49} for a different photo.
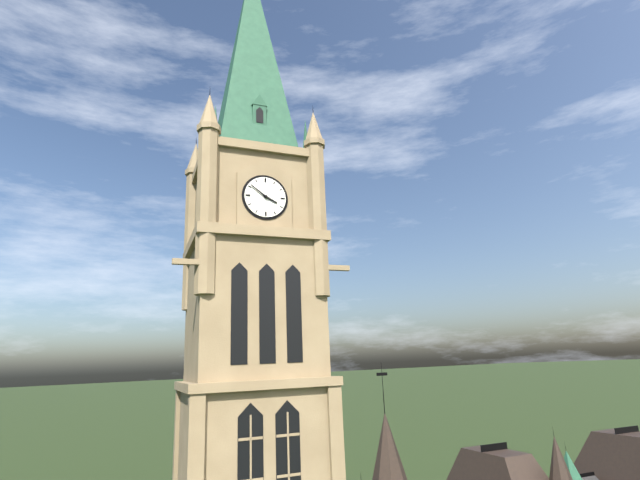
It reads {"hour": 3, "minute": 51}
